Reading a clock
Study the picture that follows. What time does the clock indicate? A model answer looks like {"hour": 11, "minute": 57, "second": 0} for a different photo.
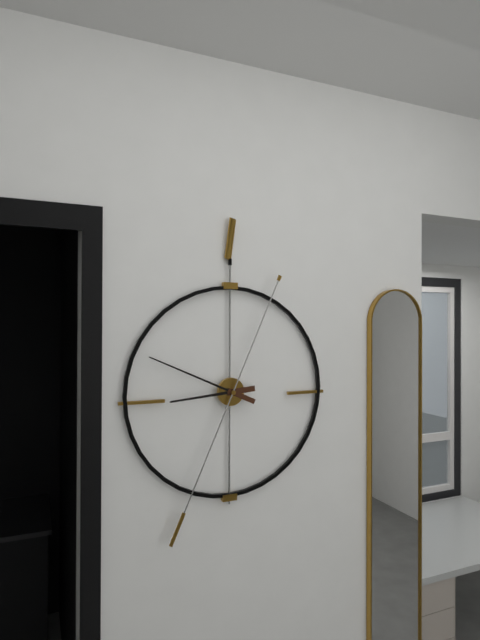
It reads {"hour": 8, "minute": 49, "second": 34}
